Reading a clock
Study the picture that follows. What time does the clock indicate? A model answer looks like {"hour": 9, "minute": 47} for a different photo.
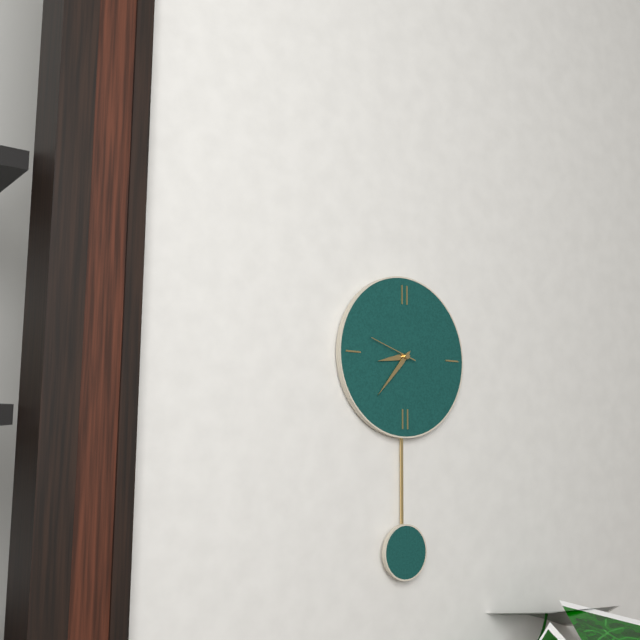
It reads {"hour": 8, "minute": 37}
